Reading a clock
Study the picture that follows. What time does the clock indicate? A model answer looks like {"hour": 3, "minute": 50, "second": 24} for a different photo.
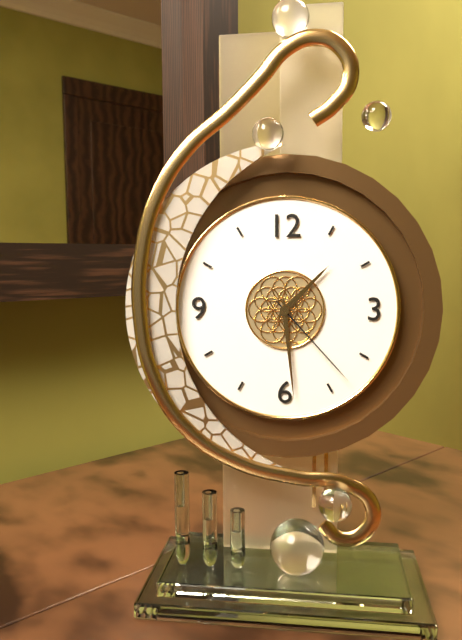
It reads {"hour": 1, "minute": 29, "second": 23}
